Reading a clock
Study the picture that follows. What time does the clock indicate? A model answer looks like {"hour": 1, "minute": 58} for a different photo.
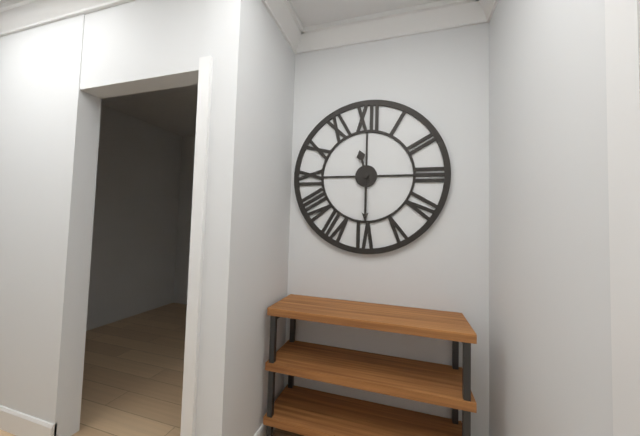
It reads {"hour": 11, "minute": 30}
